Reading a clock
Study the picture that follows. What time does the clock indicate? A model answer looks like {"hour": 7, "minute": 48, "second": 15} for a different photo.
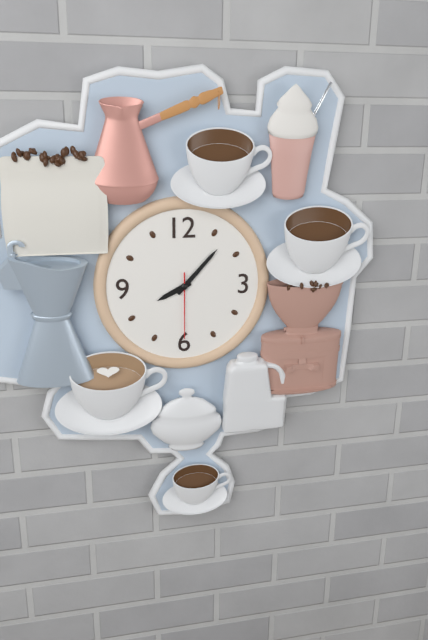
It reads {"hour": 8, "minute": 7, "second": 30}
